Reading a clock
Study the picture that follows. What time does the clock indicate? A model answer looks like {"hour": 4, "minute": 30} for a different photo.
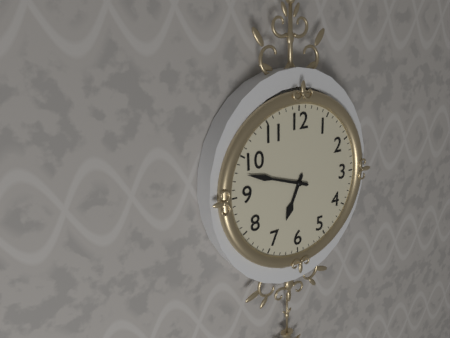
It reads {"hour": 6, "minute": 48}
